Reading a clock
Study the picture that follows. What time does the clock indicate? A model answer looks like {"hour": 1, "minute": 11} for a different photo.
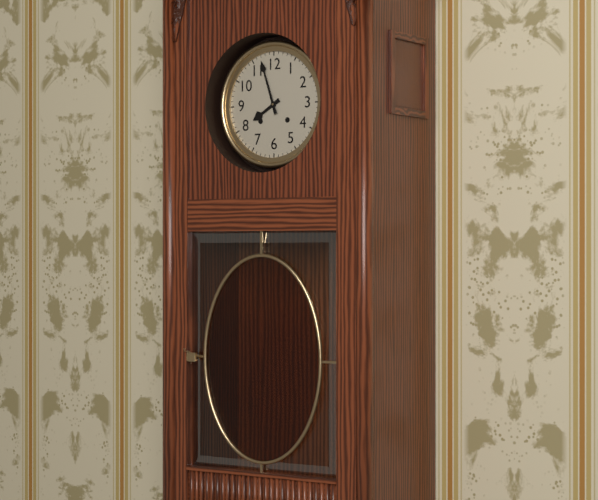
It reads {"hour": 7, "minute": 57}
